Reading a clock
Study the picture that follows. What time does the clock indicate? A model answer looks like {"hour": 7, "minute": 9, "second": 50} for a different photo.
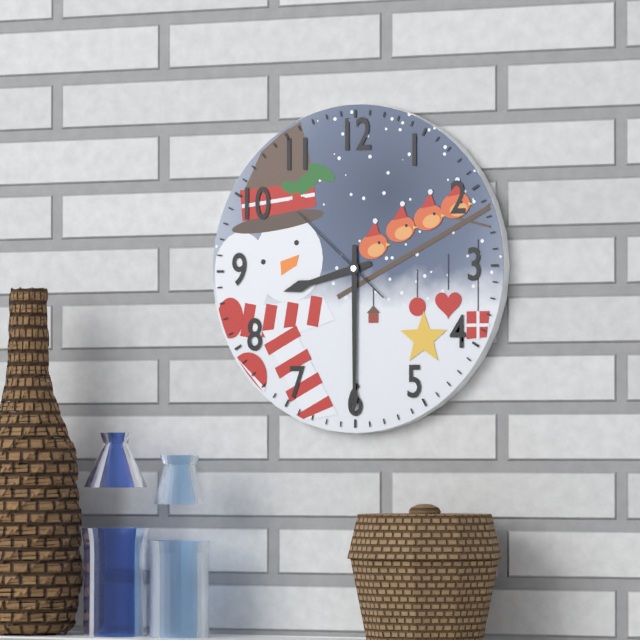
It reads {"hour": 8, "minute": 30, "second": 52}
